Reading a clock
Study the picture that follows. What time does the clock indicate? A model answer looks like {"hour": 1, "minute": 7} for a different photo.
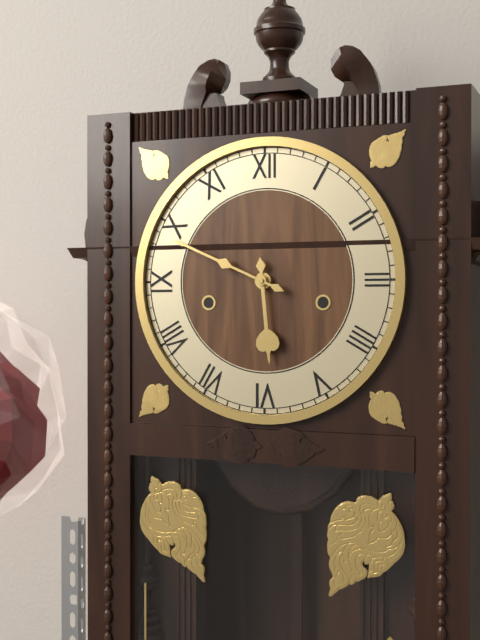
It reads {"hour": 5, "minute": 49}
